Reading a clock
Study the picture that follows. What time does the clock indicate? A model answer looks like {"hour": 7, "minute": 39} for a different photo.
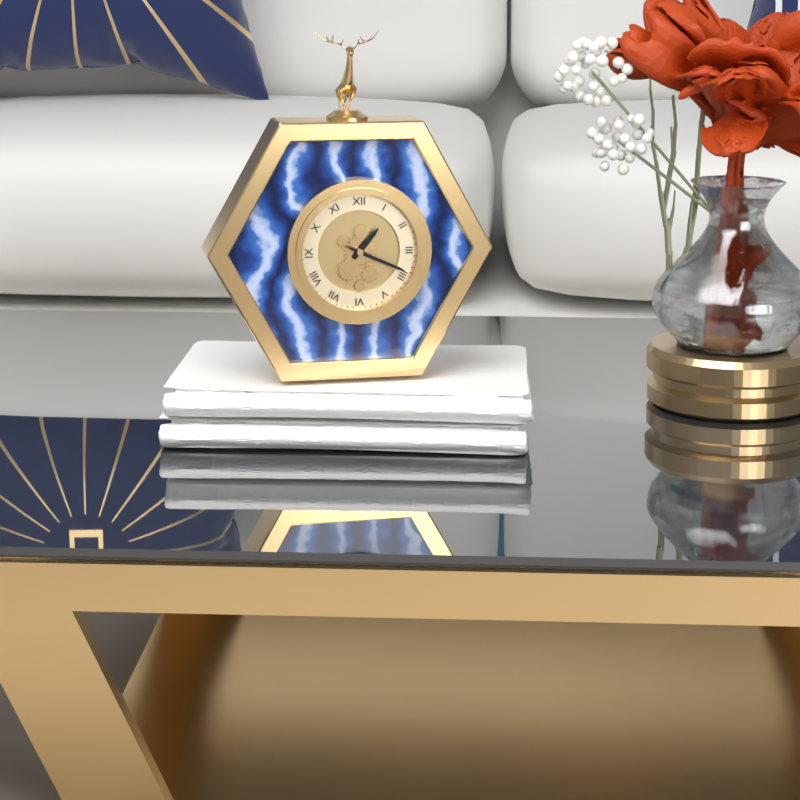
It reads {"hour": 1, "minute": 19}
